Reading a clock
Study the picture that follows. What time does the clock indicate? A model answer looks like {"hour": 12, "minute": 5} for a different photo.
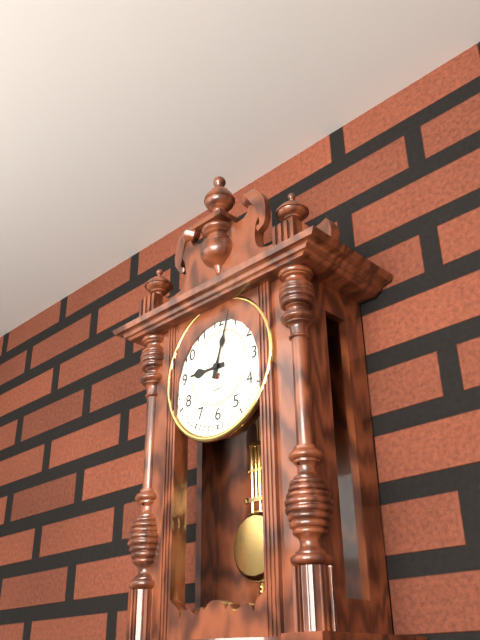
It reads {"hour": 9, "minute": 3}
